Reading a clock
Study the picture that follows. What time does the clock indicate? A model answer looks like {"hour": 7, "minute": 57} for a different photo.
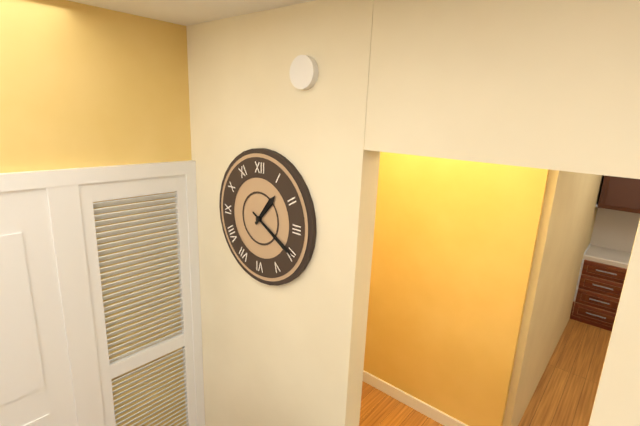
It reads {"hour": 1, "minute": 20}
